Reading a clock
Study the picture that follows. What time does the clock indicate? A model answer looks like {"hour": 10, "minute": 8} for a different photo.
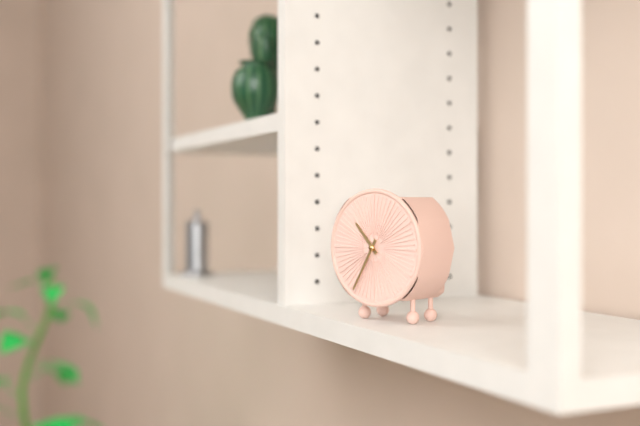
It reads {"hour": 10, "minute": 35}
